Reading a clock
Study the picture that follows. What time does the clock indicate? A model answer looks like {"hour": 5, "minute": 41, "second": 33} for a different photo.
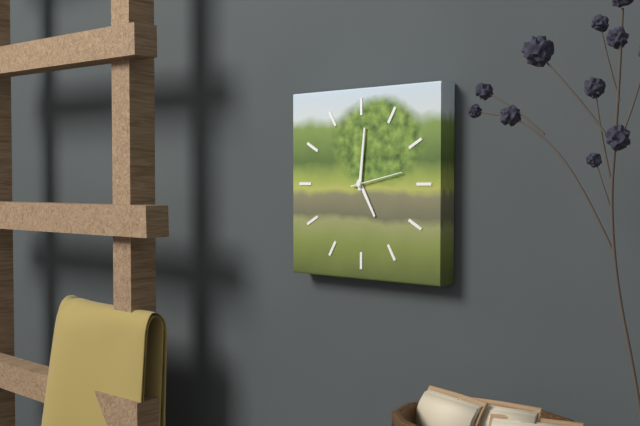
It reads {"hour": 5, "minute": 1, "second": 13}
